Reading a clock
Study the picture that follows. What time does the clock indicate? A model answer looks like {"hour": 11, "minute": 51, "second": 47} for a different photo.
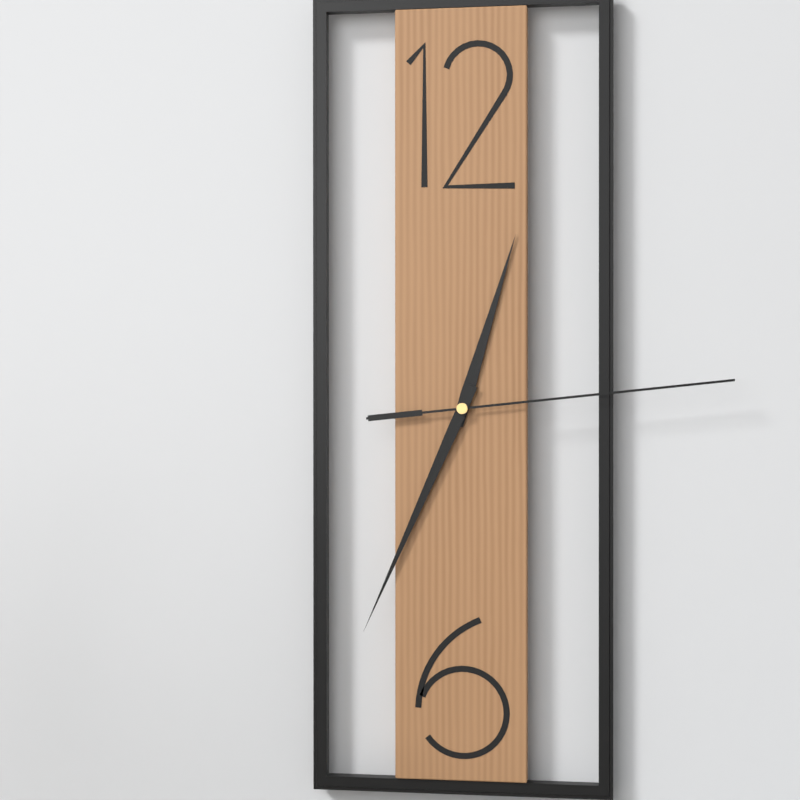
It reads {"hour": 12, "minute": 34, "second": 14}
